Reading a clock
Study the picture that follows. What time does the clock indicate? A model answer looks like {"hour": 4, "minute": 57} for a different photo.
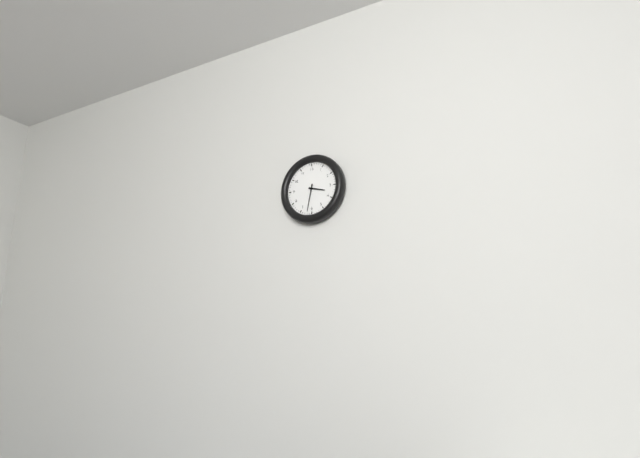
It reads {"hour": 3, "minute": 32}
